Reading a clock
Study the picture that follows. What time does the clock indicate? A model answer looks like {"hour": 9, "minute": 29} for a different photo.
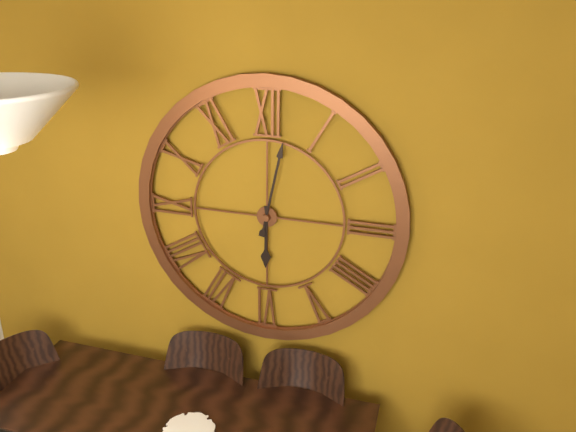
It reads {"hour": 6, "minute": 2}
